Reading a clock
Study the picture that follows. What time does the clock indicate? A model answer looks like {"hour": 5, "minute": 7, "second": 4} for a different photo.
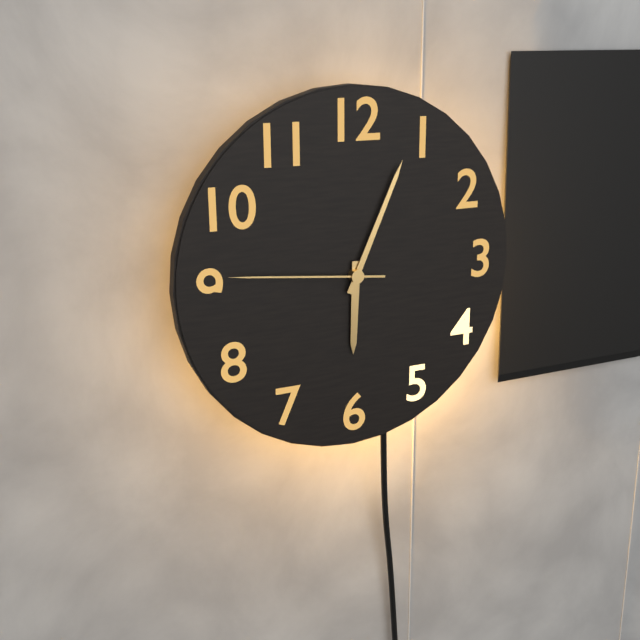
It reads {"hour": 6, "minute": 4, "second": 46}
